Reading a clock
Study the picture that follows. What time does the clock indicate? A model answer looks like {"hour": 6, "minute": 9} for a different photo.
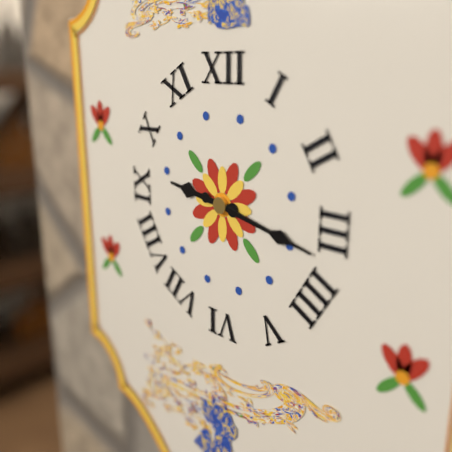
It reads {"hour": 9, "minute": 17}
